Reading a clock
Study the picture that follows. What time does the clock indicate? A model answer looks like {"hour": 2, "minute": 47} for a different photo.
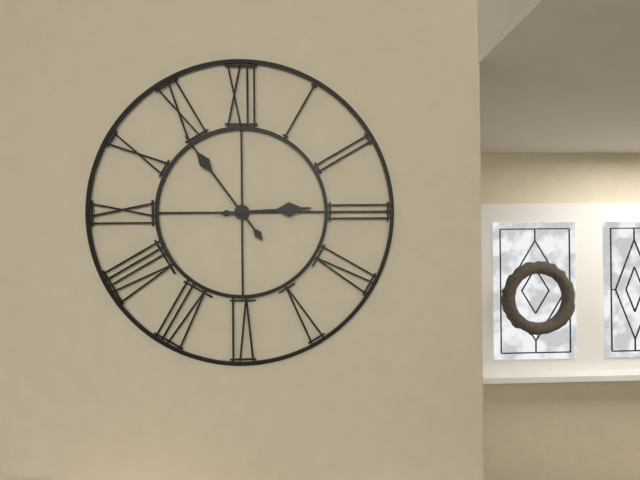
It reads {"hour": 2, "minute": 54}
